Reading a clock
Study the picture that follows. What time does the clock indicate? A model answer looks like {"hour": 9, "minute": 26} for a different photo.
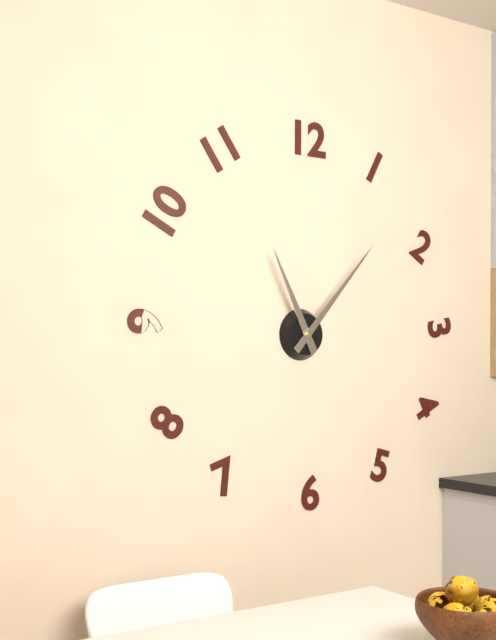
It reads {"hour": 11, "minute": 7}
